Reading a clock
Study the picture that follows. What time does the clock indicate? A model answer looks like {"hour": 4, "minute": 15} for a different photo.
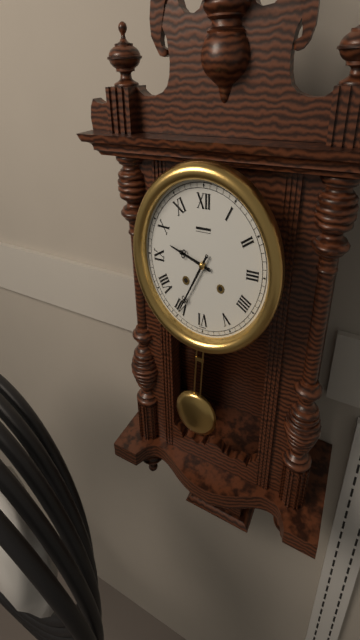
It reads {"hour": 9, "minute": 35}
